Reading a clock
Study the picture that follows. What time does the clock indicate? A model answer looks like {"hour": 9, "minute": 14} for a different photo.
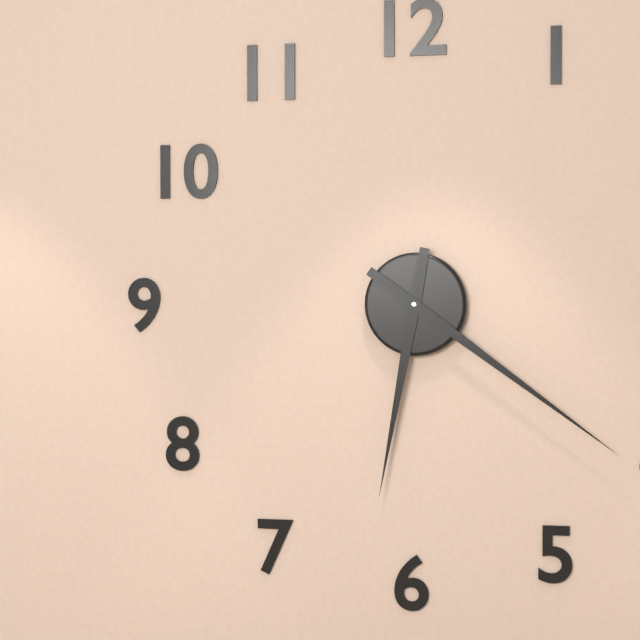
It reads {"hour": 6, "minute": 21}
